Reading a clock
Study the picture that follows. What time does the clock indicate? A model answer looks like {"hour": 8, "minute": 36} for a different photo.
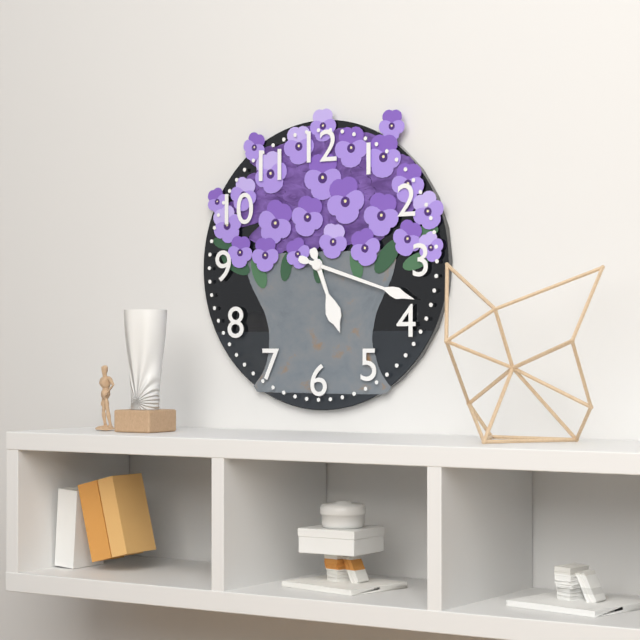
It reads {"hour": 5, "minute": 18}
